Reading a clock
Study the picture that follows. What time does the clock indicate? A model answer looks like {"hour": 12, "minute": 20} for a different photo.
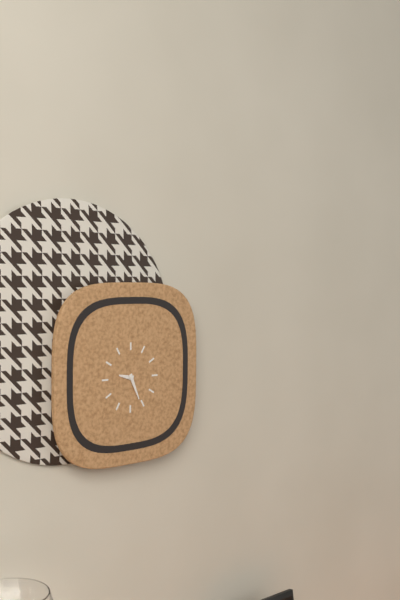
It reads {"hour": 9, "minute": 26}
